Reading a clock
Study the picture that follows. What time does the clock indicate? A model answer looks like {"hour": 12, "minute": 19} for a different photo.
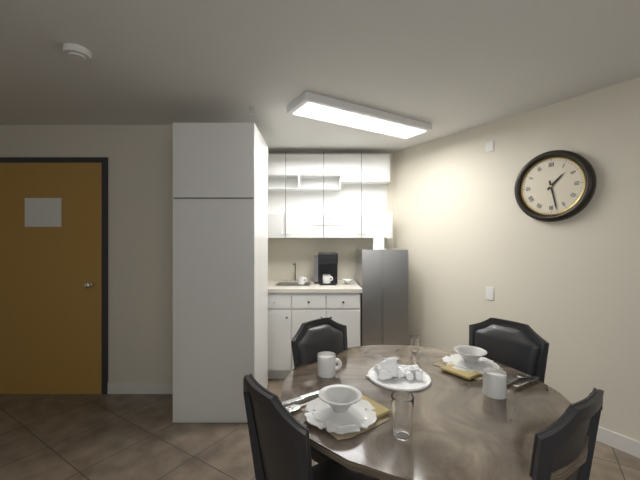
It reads {"hour": 1, "minute": 28}
